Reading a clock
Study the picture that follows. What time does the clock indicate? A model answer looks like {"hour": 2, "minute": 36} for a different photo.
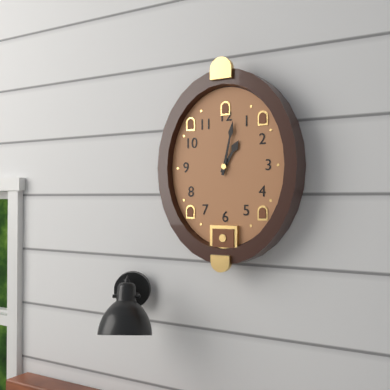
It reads {"hour": 1, "minute": 2}
